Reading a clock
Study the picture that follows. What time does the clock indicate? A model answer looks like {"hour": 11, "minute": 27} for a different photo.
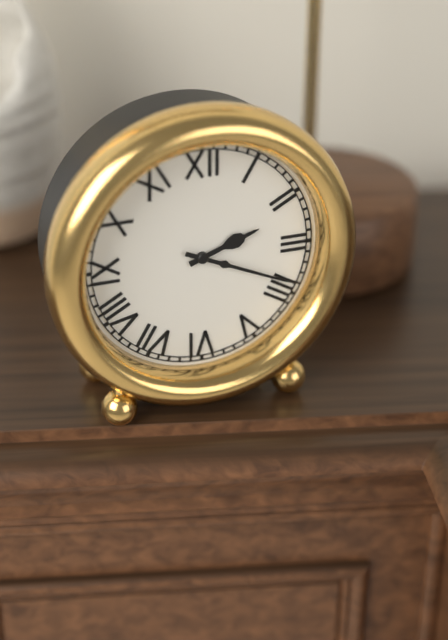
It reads {"hour": 2, "minute": 19}
